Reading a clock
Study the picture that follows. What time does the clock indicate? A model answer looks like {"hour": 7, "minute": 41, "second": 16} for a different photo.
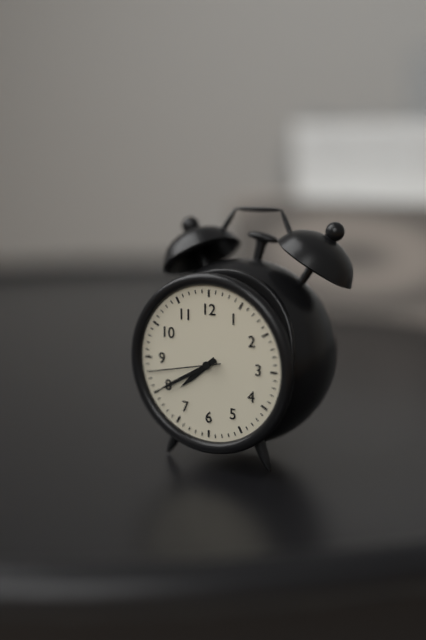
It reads {"hour": 7, "minute": 40, "second": 43}
